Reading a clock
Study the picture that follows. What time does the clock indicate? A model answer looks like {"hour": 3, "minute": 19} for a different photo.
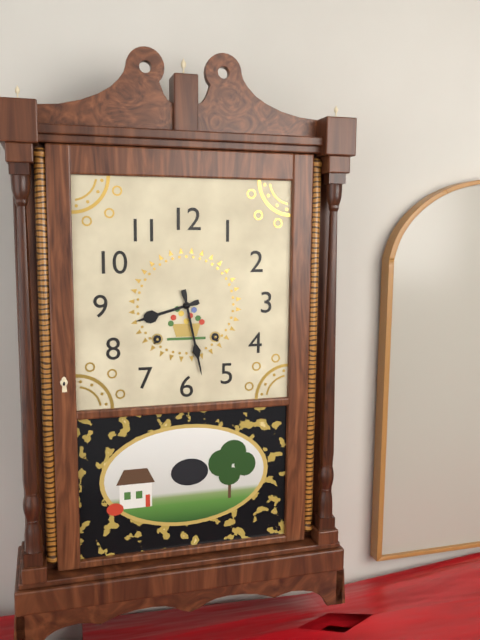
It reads {"hour": 8, "minute": 28}
